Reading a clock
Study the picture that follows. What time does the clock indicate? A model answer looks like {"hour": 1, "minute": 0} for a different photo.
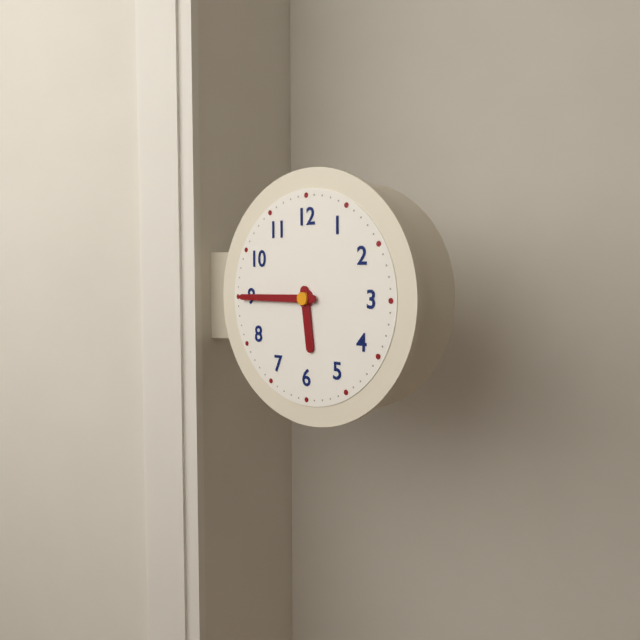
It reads {"hour": 5, "minute": 45}
